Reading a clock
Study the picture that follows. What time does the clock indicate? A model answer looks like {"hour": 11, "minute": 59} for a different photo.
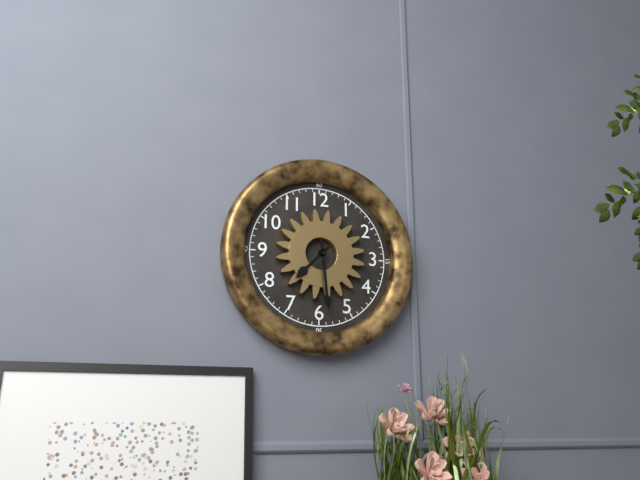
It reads {"hour": 7, "minute": 29}
